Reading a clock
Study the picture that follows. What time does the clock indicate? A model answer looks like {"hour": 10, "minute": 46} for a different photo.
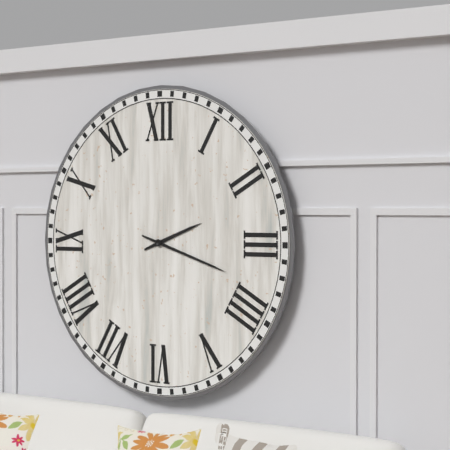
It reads {"hour": 2, "minute": 18}
